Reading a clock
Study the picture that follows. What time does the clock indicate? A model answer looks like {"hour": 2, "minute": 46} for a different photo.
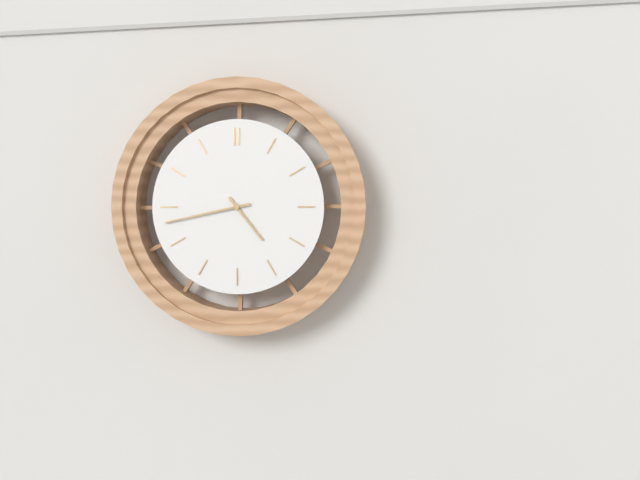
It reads {"hour": 4, "minute": 43}
